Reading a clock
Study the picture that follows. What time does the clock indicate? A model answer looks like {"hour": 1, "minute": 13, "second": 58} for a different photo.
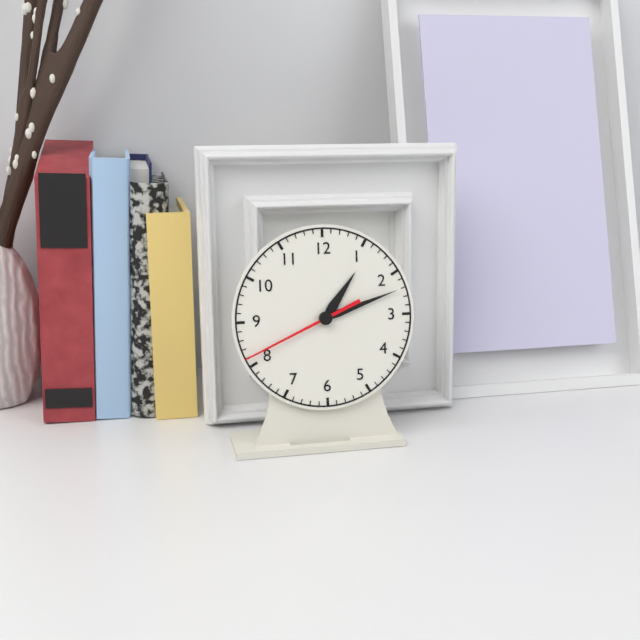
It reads {"hour": 1, "minute": 12, "second": 41}
